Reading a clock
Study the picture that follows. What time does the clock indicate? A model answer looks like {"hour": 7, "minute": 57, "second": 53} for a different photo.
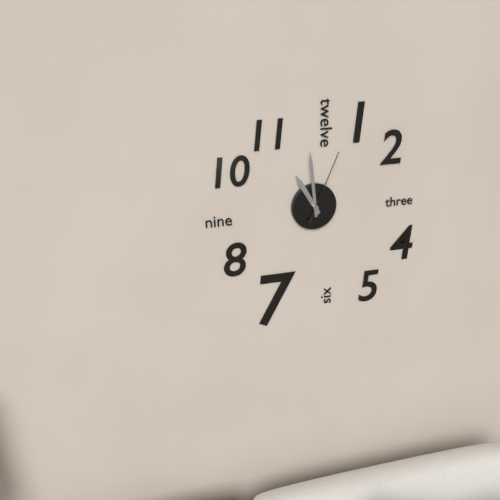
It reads {"hour": 10, "minute": 59, "second": 4}
